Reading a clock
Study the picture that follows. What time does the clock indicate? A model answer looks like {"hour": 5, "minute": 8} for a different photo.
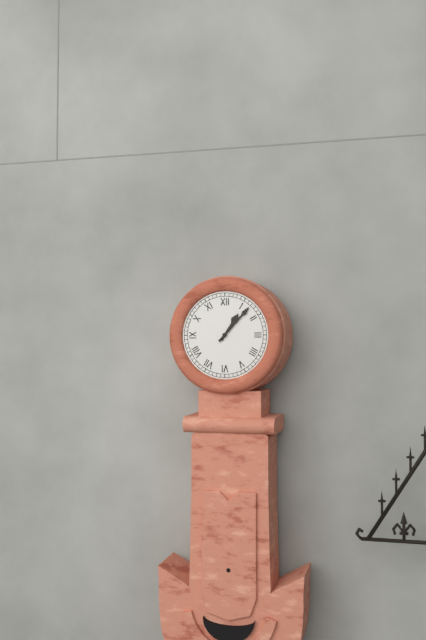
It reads {"hour": 1, "minute": 7}
